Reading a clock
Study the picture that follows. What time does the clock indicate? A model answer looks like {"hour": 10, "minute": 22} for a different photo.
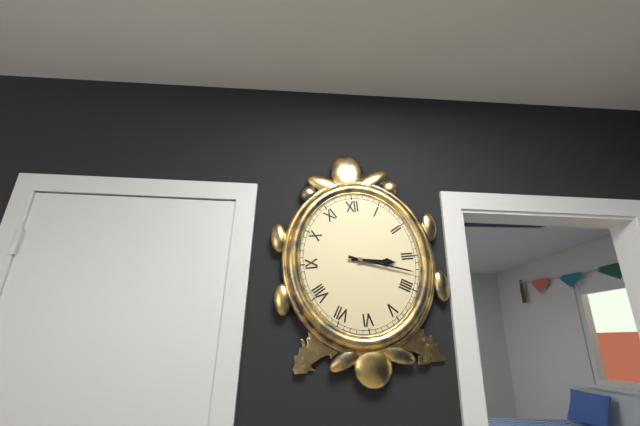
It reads {"hour": 3, "minute": 18}
